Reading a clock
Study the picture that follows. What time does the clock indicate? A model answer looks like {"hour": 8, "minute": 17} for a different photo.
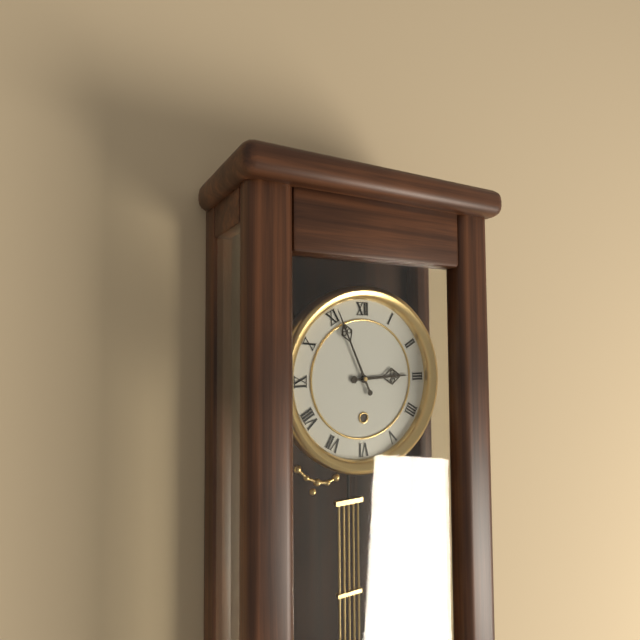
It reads {"hour": 2, "minute": 56}
